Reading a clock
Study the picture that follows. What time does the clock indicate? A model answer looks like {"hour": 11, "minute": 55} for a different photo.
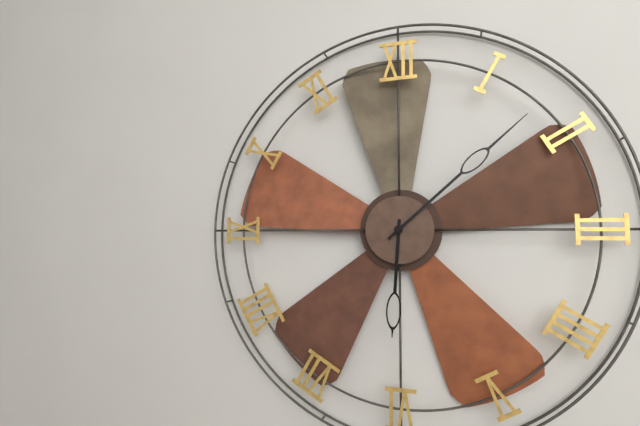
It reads {"hour": 6, "minute": 8}
